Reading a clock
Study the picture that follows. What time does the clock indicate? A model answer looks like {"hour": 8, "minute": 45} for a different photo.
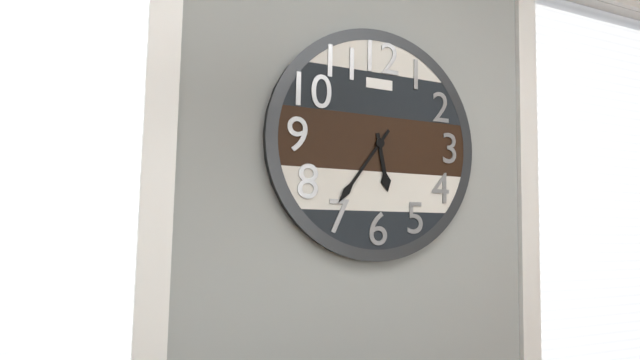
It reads {"hour": 5, "minute": 36}
